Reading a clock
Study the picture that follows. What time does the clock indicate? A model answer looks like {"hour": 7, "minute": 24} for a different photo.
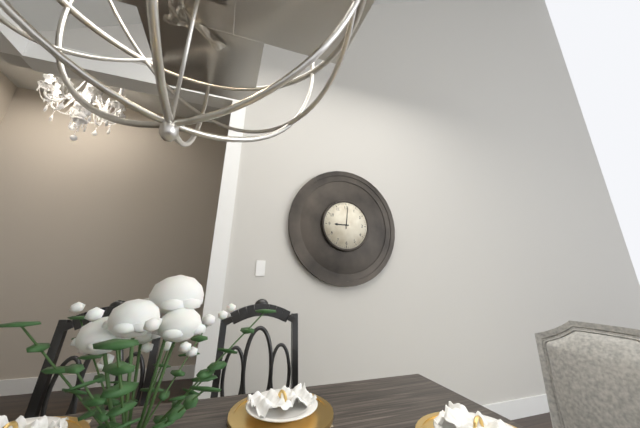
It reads {"hour": 9, "minute": 1}
